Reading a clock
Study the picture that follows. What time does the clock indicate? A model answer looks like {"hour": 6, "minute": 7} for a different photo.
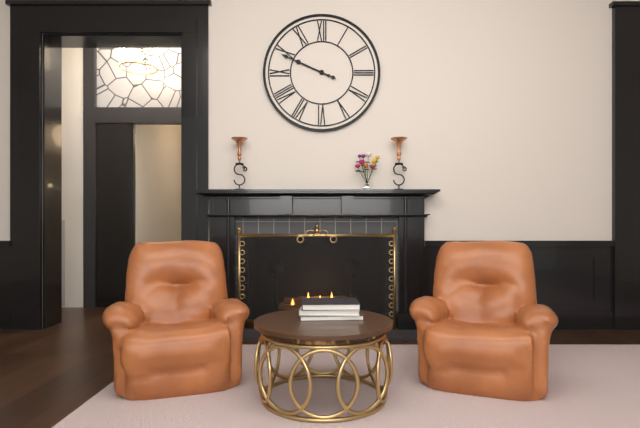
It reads {"hour": 9, "minute": 49}
